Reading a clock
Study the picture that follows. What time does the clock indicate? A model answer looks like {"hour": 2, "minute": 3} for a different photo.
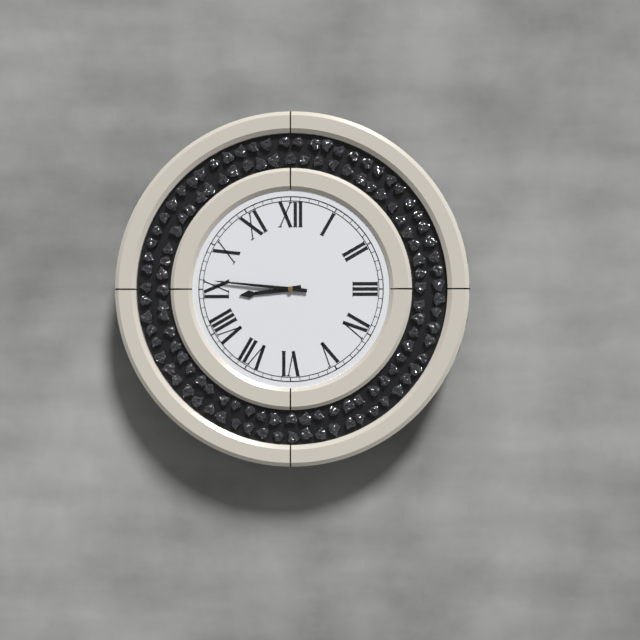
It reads {"hour": 8, "minute": 46}
